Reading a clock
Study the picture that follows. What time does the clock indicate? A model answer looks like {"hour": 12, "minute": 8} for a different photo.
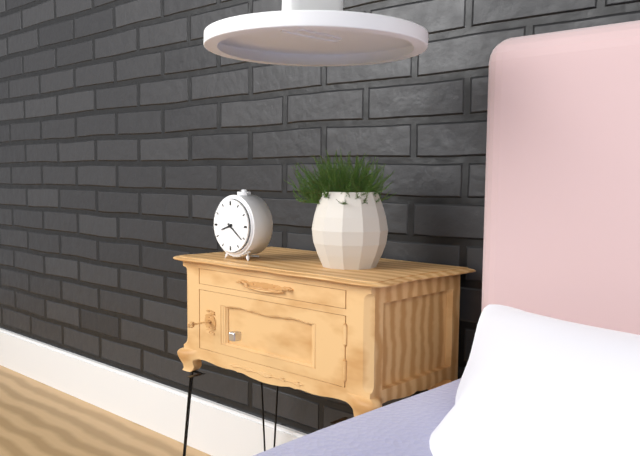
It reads {"hour": 8, "minute": 21}
